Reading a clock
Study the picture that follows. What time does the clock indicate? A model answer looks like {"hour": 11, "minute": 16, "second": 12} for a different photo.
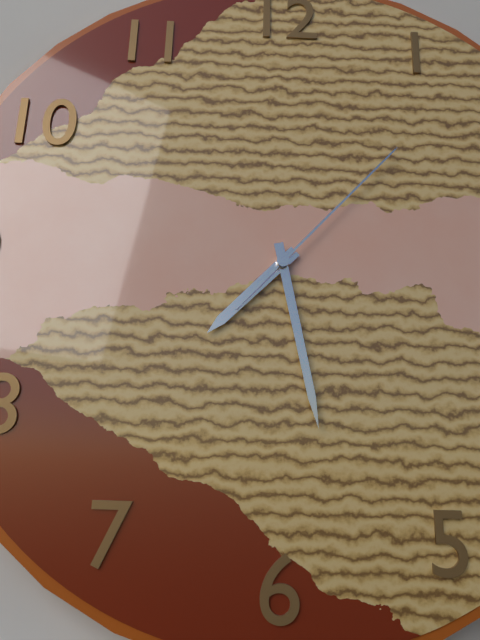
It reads {"hour": 7, "minute": 28, "second": 7}
